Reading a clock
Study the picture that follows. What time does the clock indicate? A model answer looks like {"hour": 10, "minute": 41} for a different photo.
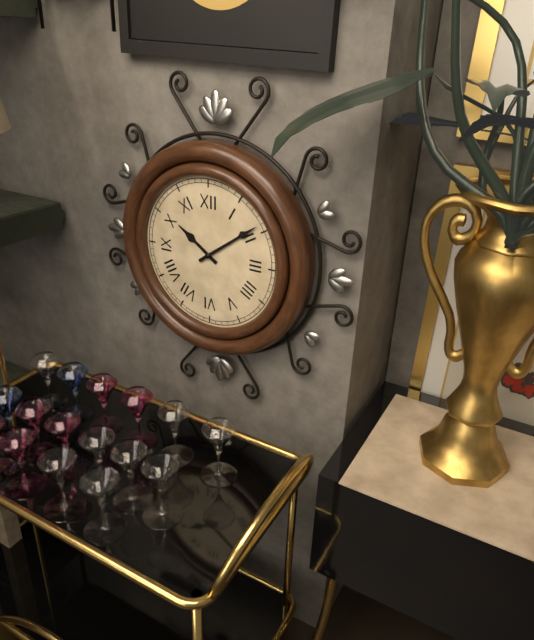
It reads {"hour": 10, "minute": 9}
